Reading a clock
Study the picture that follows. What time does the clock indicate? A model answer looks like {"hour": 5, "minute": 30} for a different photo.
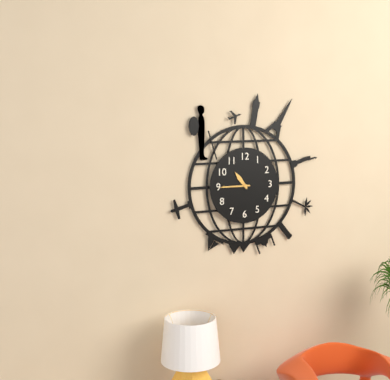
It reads {"hour": 10, "minute": 45}
